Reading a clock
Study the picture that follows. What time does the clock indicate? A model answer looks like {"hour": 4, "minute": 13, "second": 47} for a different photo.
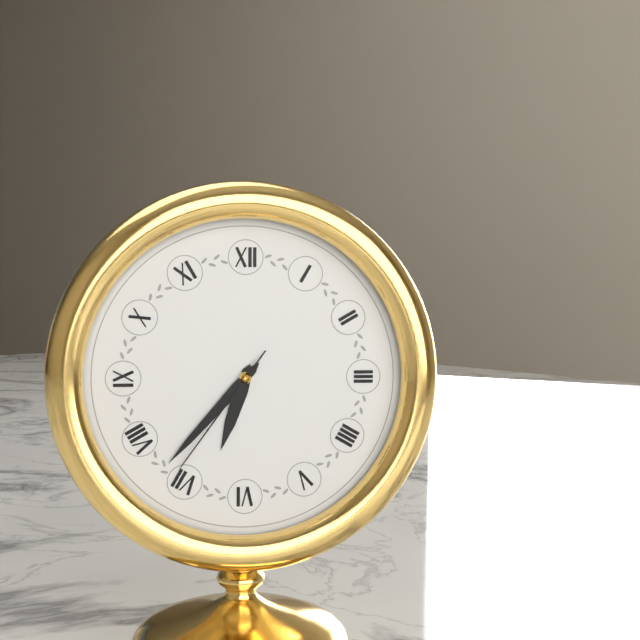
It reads {"hour": 6, "minute": 37, "second": 36}
